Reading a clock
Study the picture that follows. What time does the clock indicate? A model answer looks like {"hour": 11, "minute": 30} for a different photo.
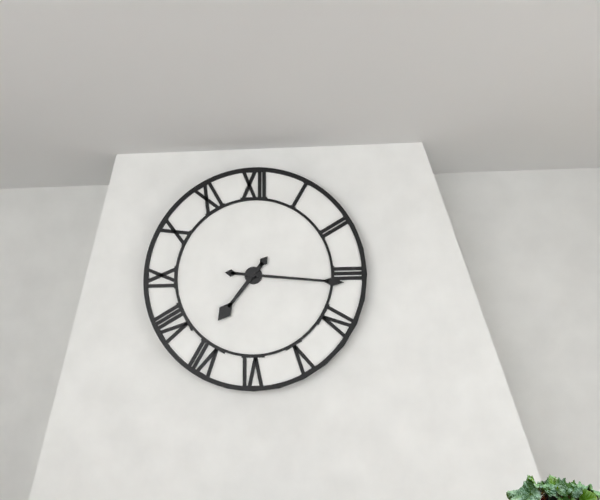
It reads {"hour": 7, "minute": 16}
